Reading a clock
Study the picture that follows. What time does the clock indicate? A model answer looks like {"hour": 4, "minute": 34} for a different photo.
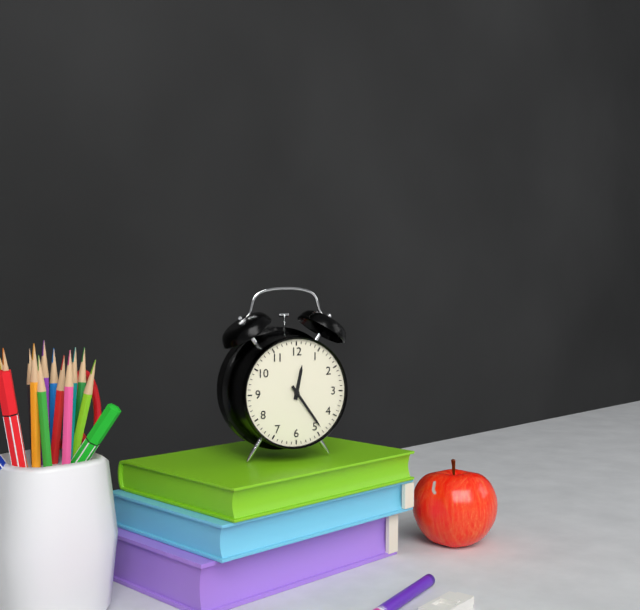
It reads {"hour": 12, "minute": 24}
